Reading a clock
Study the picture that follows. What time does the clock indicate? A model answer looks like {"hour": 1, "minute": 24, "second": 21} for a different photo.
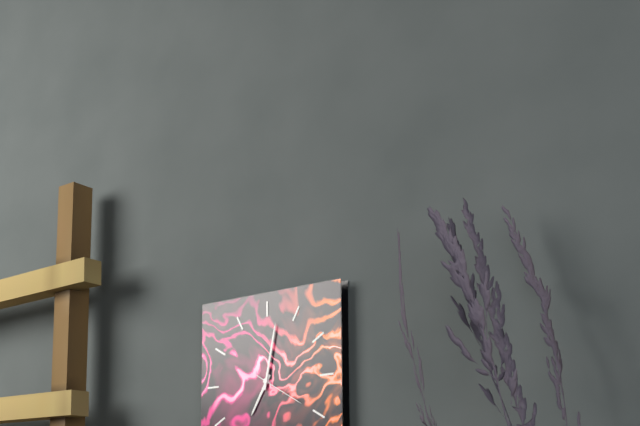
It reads {"hour": 7, "minute": 2, "second": 20}
